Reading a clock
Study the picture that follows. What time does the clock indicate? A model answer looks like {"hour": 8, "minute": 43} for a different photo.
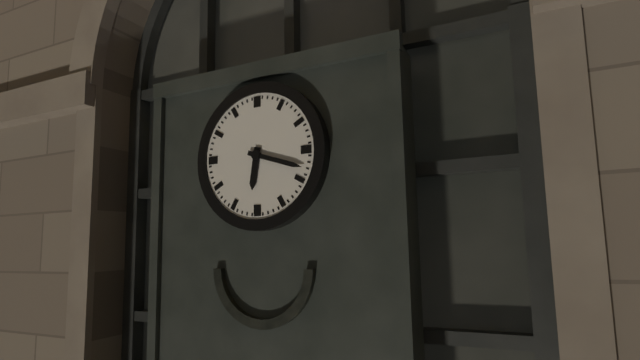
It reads {"hour": 6, "minute": 18}
